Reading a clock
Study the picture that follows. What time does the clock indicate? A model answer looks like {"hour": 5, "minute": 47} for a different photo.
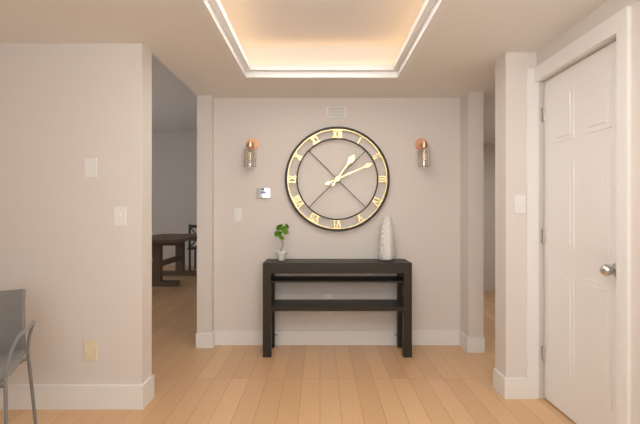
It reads {"hour": 1, "minute": 11}
